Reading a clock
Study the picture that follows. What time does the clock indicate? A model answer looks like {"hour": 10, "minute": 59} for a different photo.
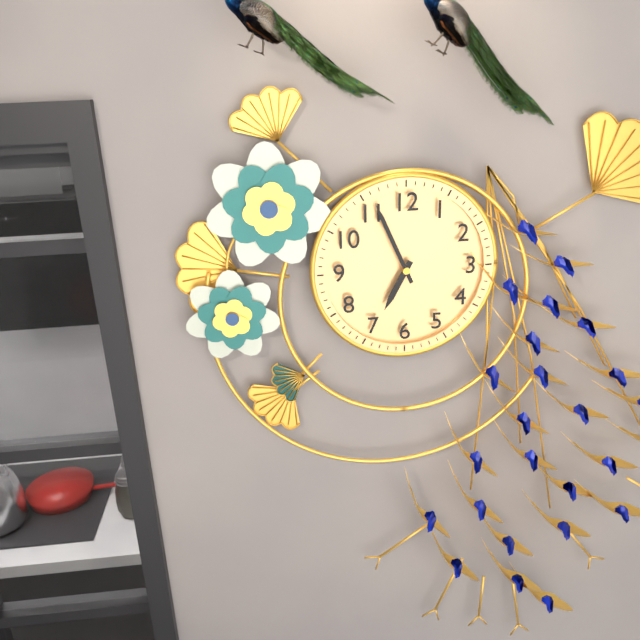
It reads {"hour": 6, "minute": 56}
